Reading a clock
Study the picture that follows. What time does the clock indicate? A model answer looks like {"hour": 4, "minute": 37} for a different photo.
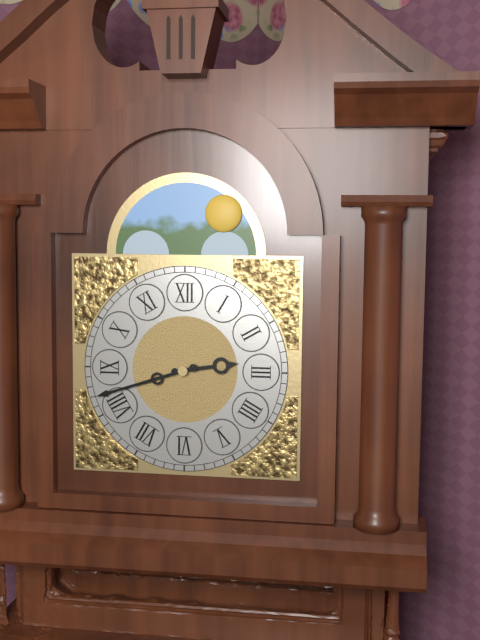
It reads {"hour": 2, "minute": 42}
